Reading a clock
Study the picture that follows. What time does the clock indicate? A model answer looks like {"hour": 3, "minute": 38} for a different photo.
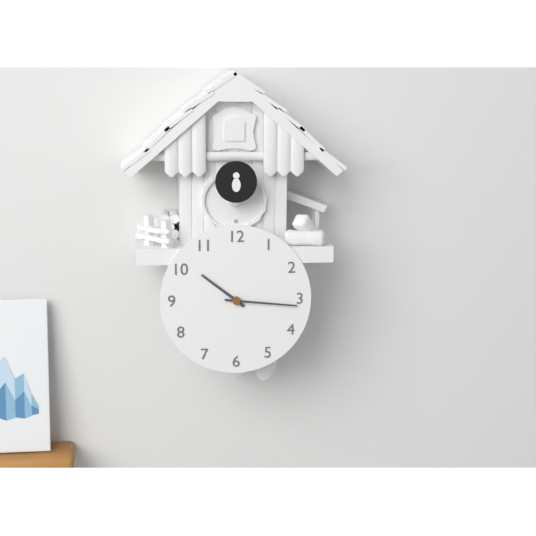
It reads {"hour": 10, "minute": 16}
